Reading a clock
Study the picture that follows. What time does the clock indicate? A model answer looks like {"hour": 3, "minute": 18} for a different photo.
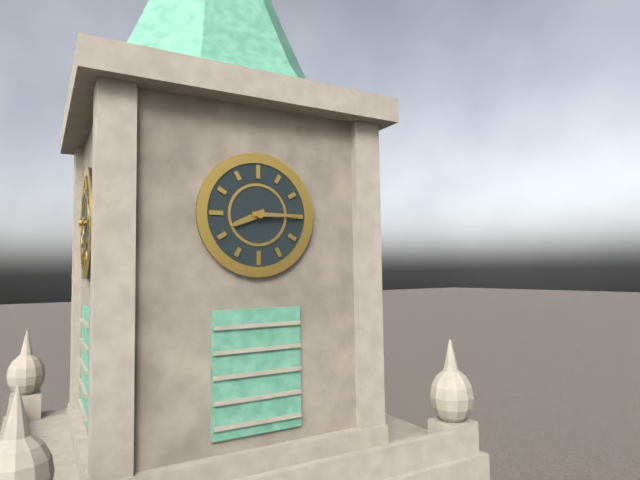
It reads {"hour": 8, "minute": 15}
